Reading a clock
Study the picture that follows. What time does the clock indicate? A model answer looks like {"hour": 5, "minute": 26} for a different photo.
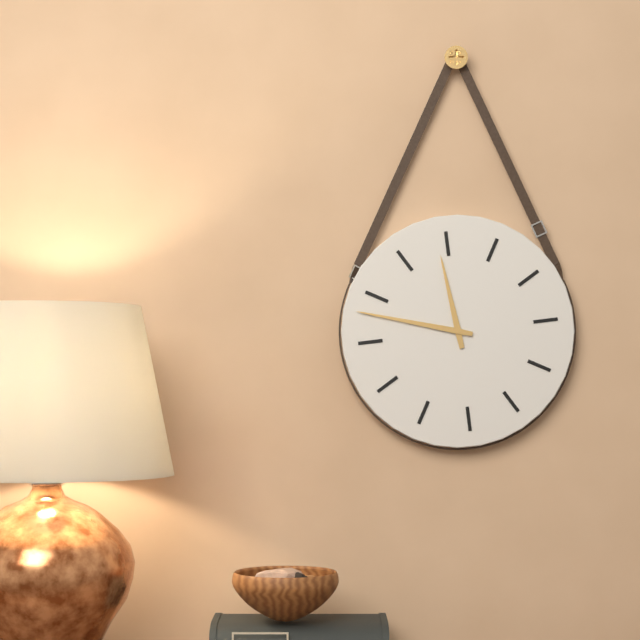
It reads {"hour": 11, "minute": 48}
